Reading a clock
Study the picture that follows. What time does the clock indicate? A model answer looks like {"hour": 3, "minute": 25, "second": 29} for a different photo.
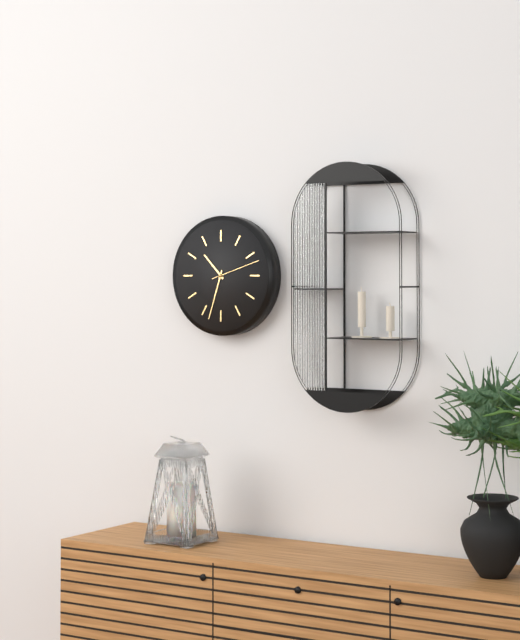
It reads {"hour": 10, "minute": 33, "second": 12}
